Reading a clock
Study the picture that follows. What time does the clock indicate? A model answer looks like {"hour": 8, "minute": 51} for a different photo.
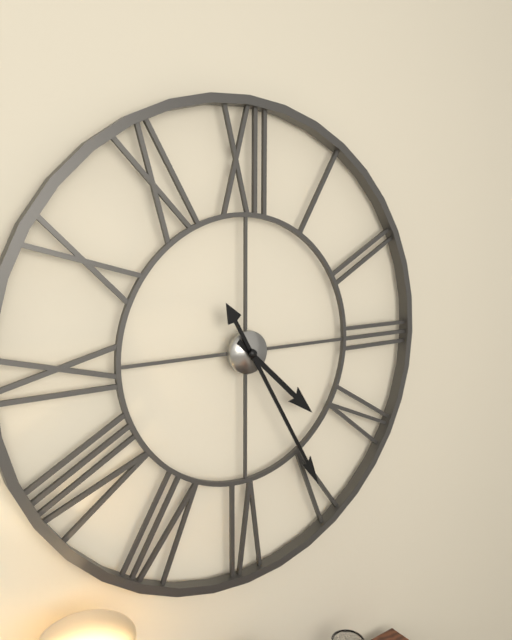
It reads {"hour": 4, "minute": 25}
